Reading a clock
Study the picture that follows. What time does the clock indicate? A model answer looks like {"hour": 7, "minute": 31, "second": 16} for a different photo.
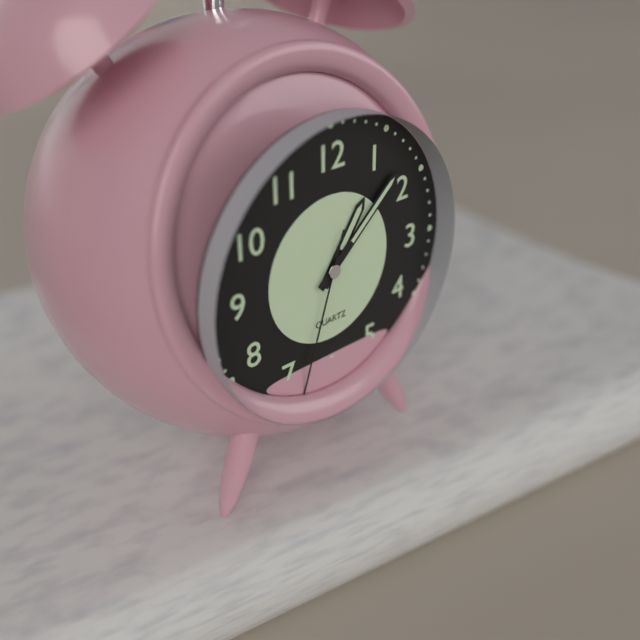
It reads {"hour": 1, "minute": 8, "second": 33}
